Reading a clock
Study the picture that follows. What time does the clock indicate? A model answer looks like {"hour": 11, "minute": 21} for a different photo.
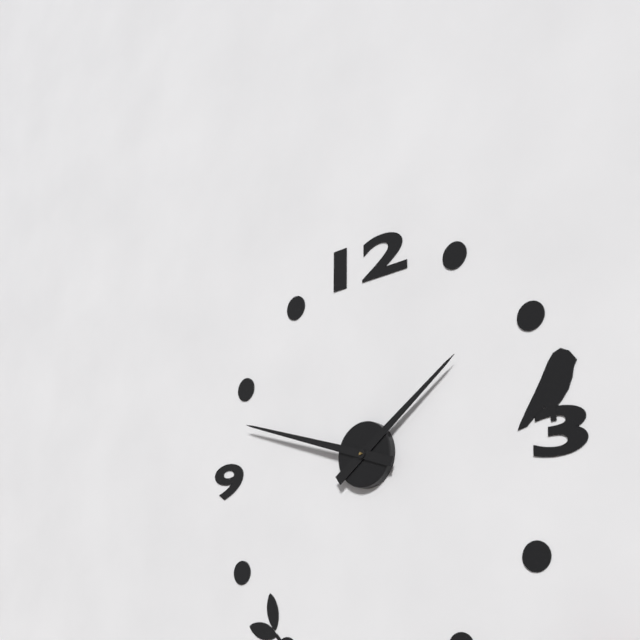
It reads {"hour": 1, "minute": 48}
